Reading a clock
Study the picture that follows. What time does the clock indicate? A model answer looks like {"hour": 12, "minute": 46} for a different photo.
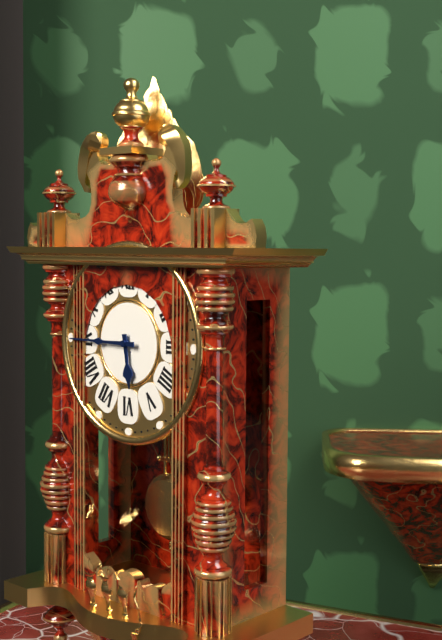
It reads {"hour": 5, "minute": 45}
